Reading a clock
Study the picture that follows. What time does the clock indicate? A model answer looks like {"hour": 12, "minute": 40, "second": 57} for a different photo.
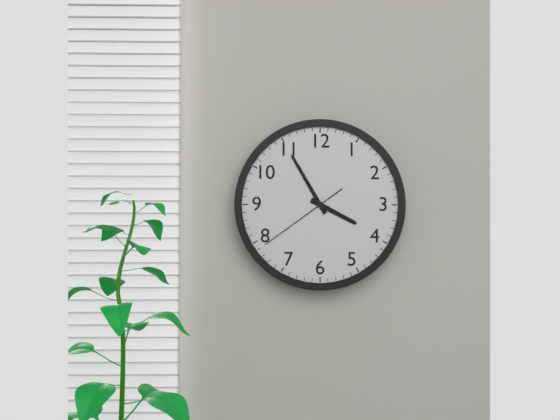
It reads {"hour": 3, "minute": 55, "second": 39}
